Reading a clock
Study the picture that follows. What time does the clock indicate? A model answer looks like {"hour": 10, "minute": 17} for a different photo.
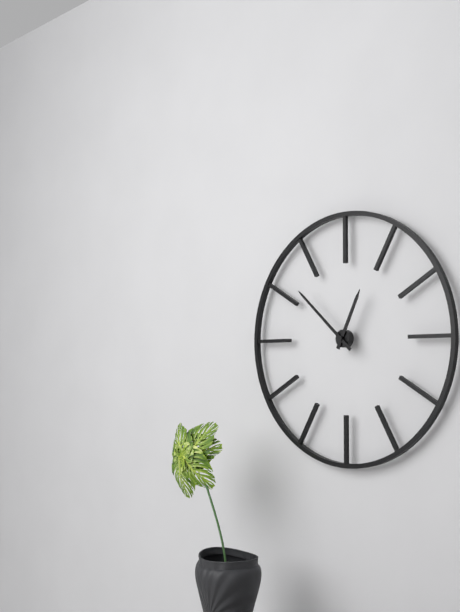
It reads {"hour": 12, "minute": 52}
